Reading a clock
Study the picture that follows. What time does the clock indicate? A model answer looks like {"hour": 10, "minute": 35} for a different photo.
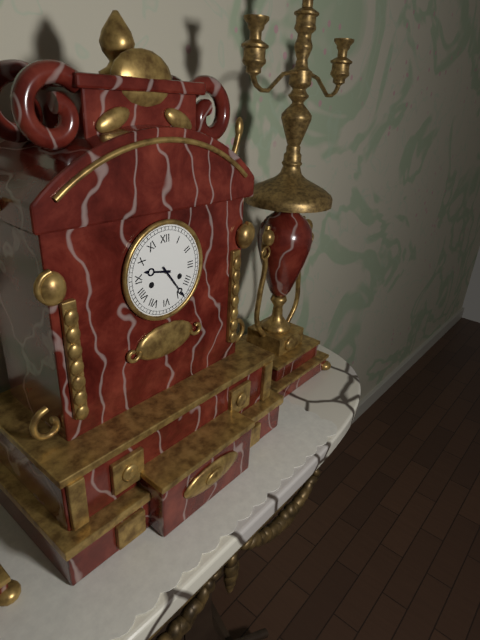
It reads {"hour": 9, "minute": 24}
